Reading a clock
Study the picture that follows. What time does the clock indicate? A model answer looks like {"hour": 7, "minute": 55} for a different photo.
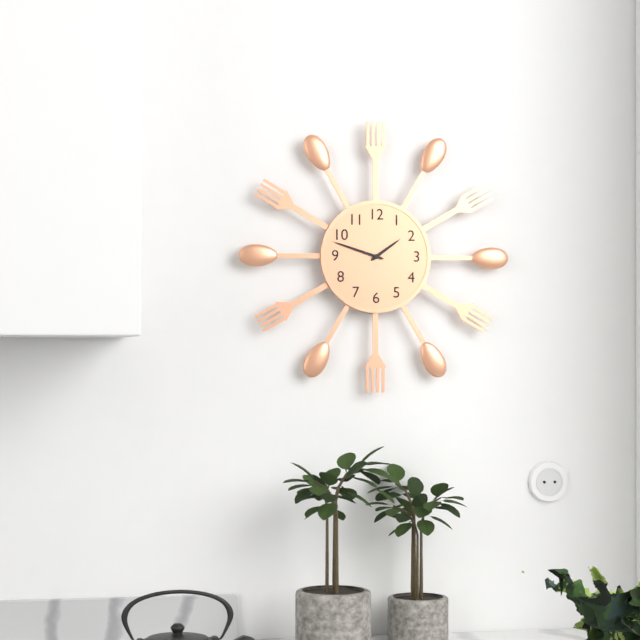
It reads {"hour": 1, "minute": 48}
